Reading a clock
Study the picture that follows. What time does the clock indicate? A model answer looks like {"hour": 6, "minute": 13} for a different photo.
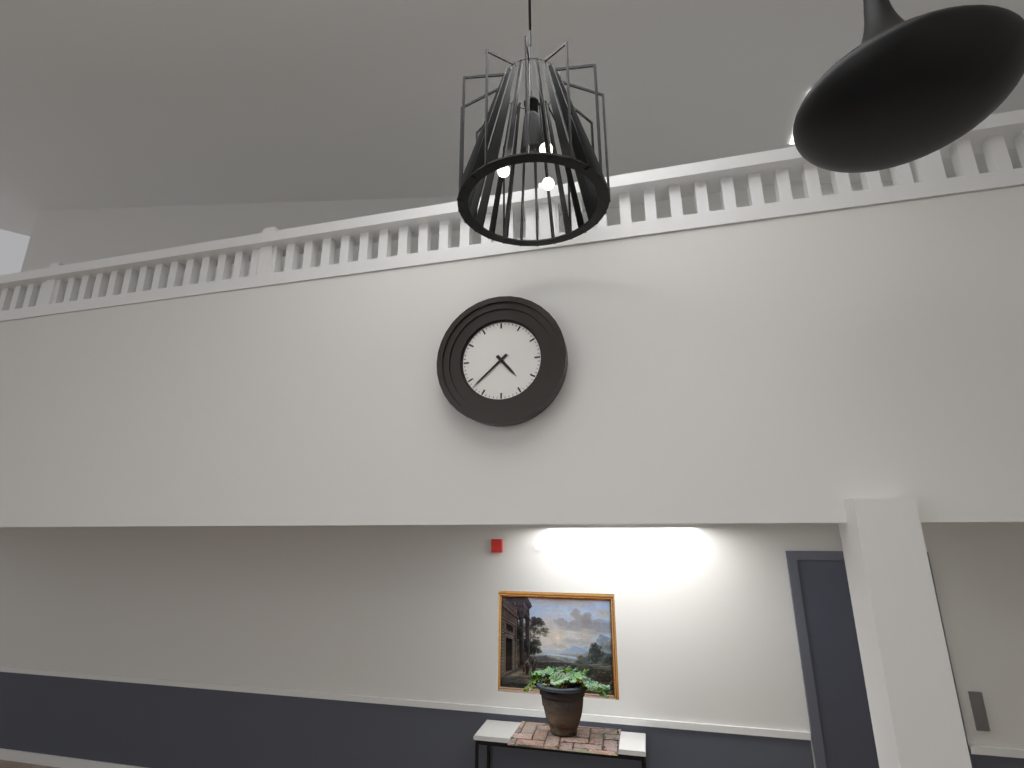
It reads {"hour": 4, "minute": 38}
